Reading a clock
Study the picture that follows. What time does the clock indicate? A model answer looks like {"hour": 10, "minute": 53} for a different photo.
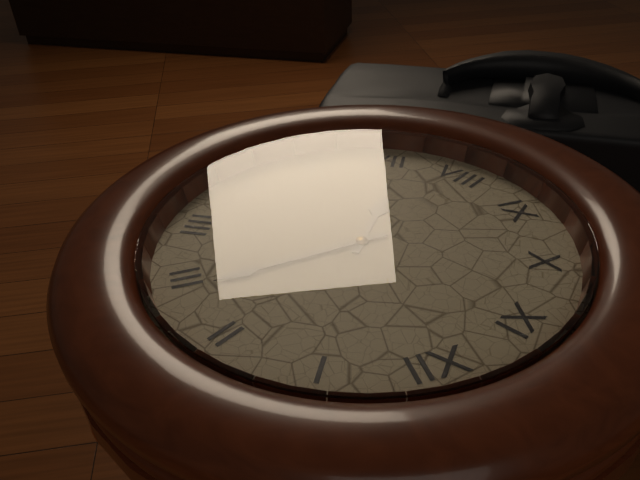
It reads {"hour": 7, "minute": 14}
